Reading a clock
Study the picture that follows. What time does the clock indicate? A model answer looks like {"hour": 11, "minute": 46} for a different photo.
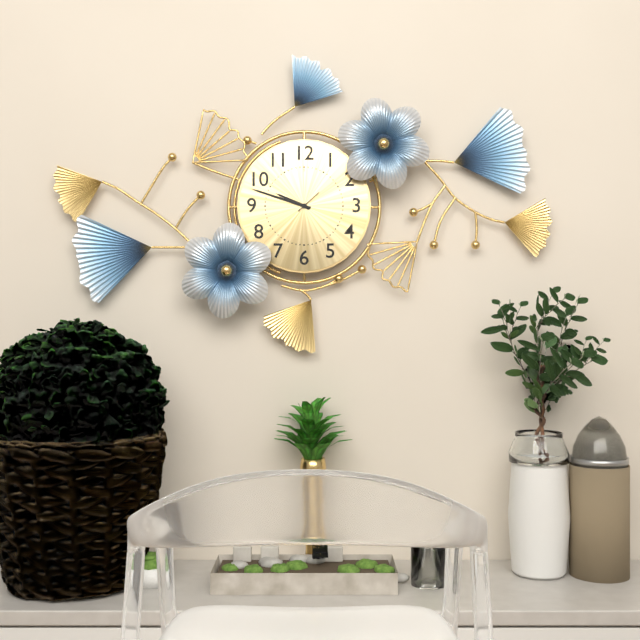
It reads {"hour": 9, "minute": 48}
